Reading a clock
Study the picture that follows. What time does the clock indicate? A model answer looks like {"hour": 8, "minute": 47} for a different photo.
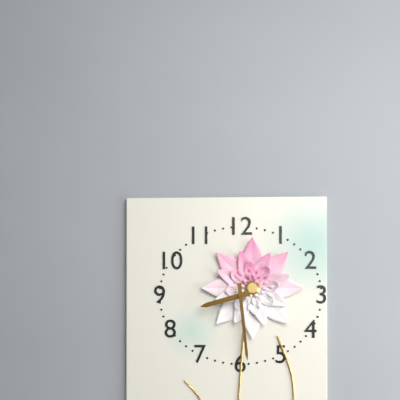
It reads {"hour": 8, "minute": 29}
